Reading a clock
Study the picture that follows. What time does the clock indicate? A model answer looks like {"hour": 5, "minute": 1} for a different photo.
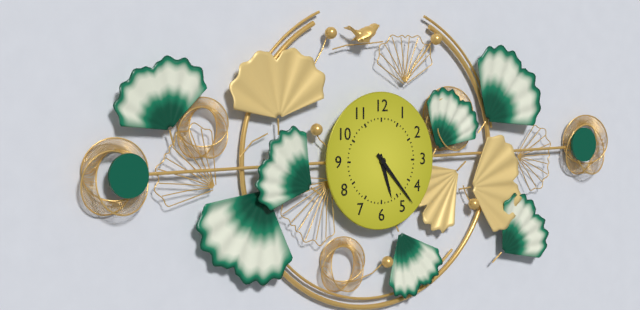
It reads {"hour": 5, "minute": 23}
